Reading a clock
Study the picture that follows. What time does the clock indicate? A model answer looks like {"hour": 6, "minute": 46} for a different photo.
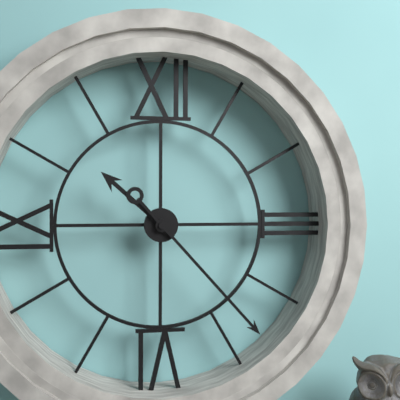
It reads {"hour": 10, "minute": 23}
